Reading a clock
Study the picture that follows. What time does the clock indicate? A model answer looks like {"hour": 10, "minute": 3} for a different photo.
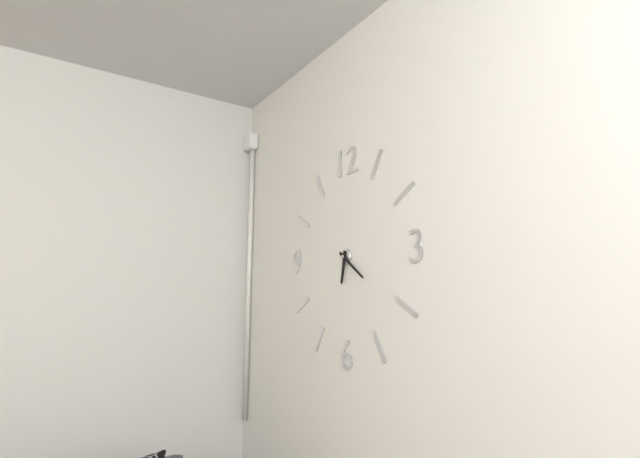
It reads {"hour": 6, "minute": 21}
